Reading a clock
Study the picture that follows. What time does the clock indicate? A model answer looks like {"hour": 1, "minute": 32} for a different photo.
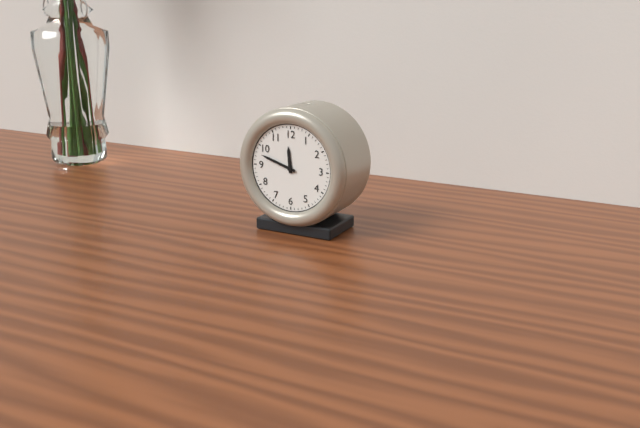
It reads {"hour": 11, "minute": 48}
